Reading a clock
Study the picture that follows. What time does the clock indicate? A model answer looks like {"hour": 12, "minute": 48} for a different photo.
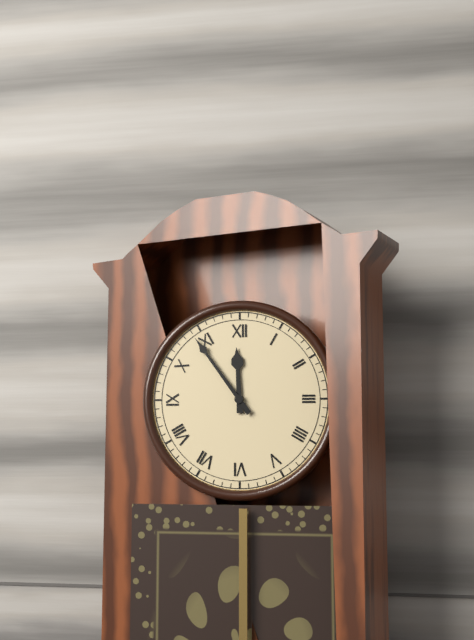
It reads {"hour": 11, "minute": 54}
